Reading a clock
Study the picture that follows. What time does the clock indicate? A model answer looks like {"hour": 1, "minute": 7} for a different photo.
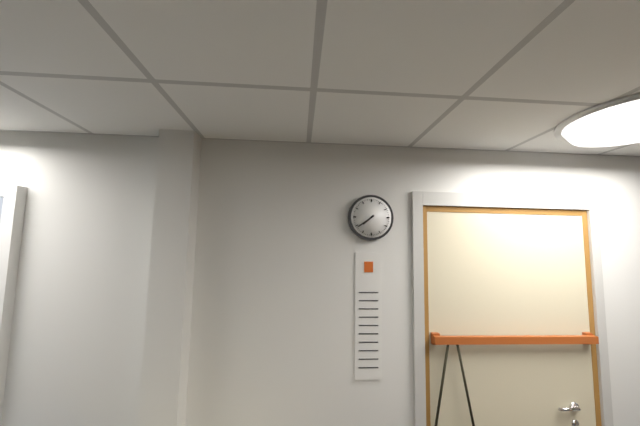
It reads {"hour": 7, "minute": 39}
